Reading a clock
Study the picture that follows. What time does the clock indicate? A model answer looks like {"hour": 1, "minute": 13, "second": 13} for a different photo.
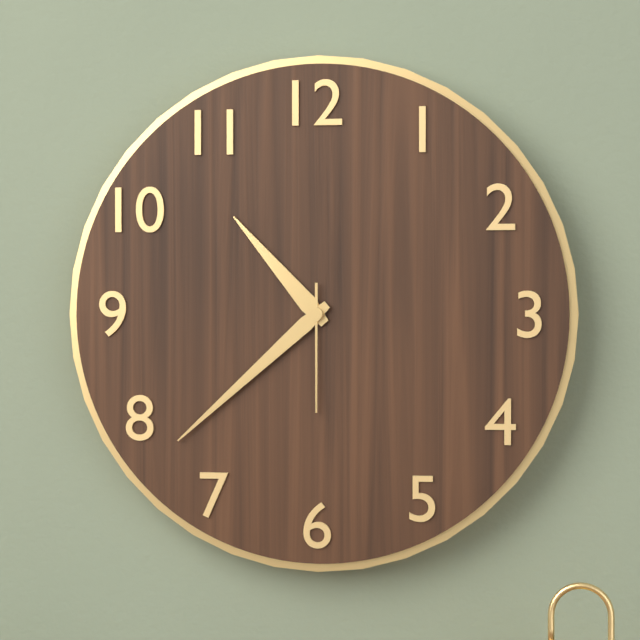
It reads {"hour": 10, "minute": 38, "second": 30}
